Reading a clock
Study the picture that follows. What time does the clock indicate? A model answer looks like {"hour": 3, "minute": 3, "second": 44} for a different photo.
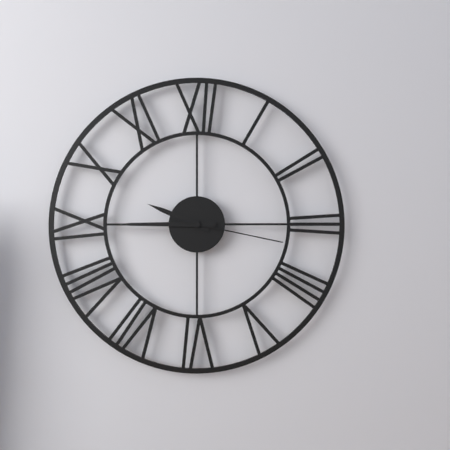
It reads {"hour": 9, "minute": 45, "second": 17}
